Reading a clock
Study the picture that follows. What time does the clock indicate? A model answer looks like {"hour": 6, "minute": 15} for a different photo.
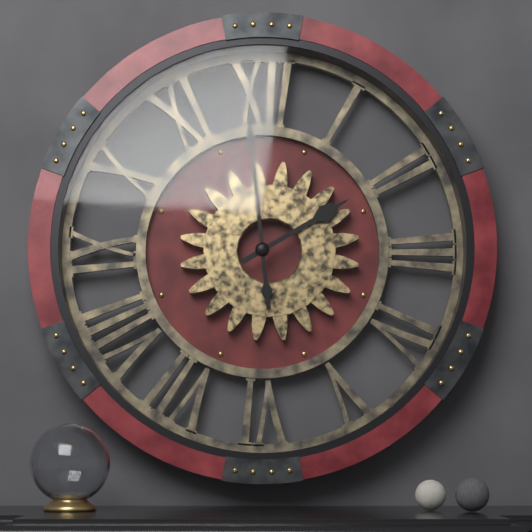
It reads {"hour": 1, "minute": 59}
